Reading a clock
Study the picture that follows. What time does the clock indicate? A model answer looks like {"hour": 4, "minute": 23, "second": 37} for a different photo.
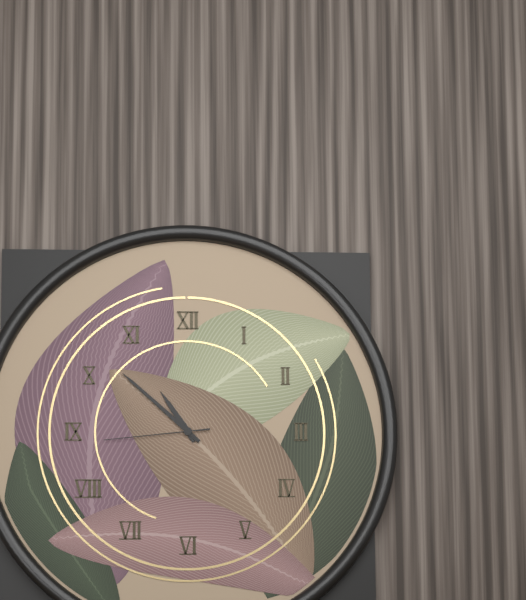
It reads {"hour": 10, "minute": 52, "second": 44}
